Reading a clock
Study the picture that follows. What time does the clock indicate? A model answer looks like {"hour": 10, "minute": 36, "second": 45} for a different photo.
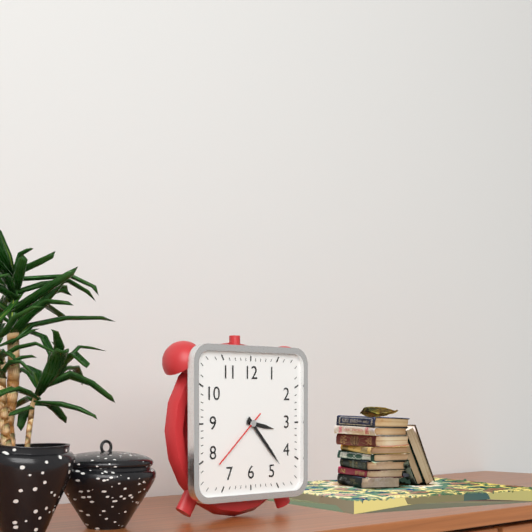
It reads {"hour": 3, "minute": 23, "second": 38}
